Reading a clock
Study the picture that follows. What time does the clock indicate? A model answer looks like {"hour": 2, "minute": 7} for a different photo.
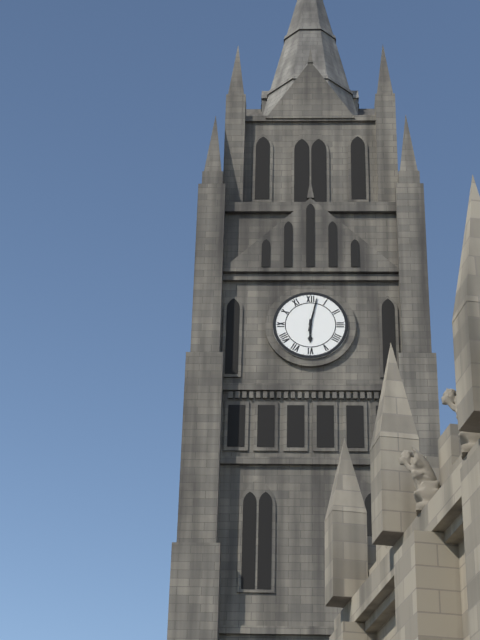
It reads {"hour": 6, "minute": 2}
